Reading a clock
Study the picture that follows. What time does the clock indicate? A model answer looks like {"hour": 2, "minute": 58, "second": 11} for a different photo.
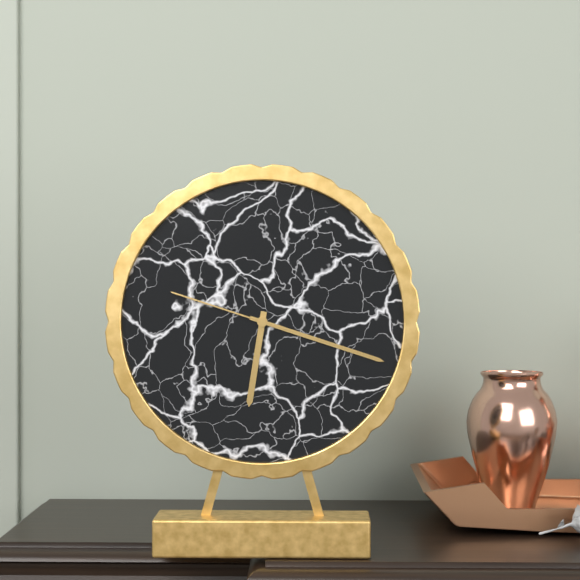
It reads {"hour": 6, "minute": 18, "second": 48}
